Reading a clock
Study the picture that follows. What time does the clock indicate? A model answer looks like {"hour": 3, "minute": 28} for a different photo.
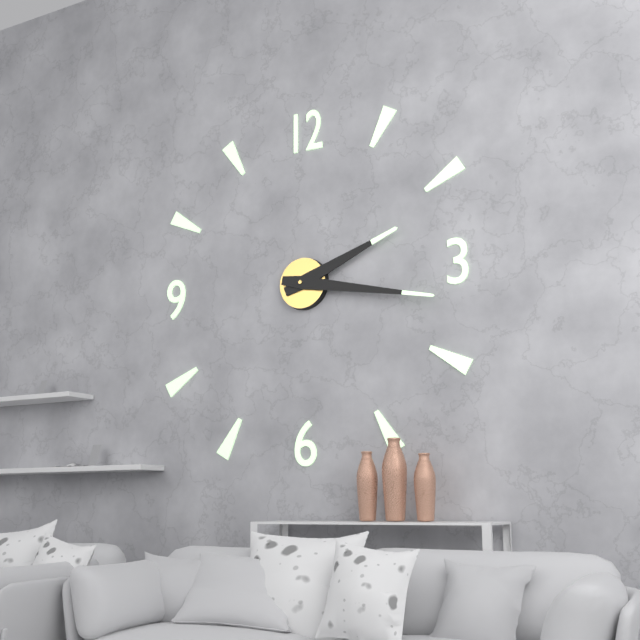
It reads {"hour": 2, "minute": 17}
